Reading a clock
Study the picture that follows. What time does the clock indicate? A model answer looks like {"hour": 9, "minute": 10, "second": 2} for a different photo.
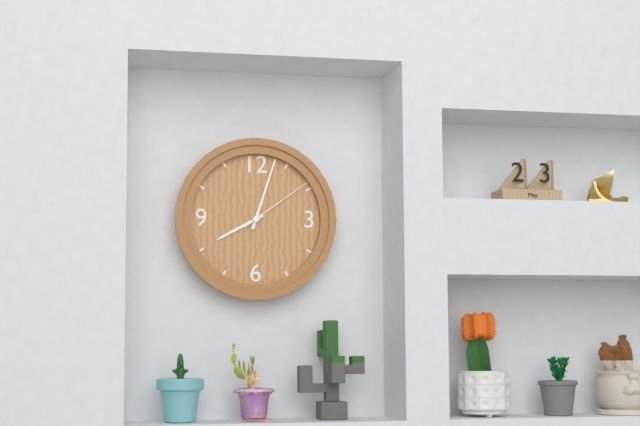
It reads {"hour": 8, "minute": 3, "second": 9}
